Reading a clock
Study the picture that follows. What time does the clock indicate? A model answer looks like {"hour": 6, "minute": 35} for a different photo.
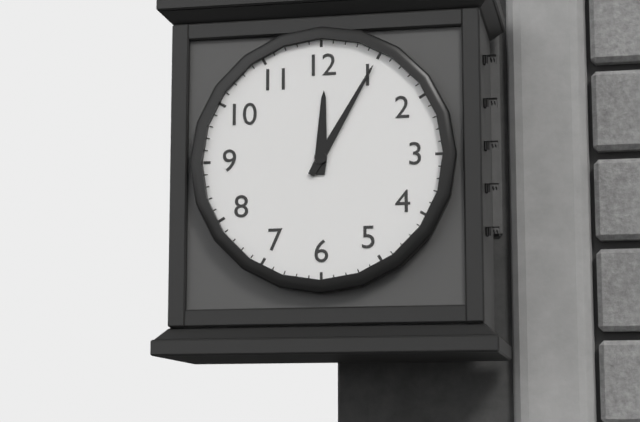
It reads {"hour": 12, "minute": 5}
